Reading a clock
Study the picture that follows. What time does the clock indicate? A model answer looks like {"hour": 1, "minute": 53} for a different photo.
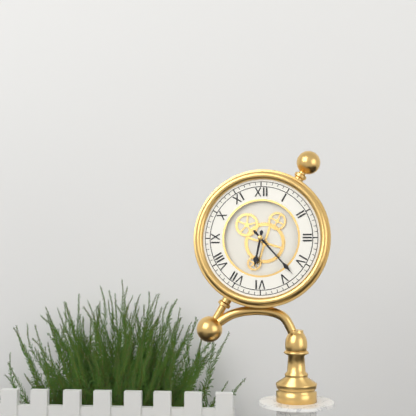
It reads {"hour": 6, "minute": 23}
